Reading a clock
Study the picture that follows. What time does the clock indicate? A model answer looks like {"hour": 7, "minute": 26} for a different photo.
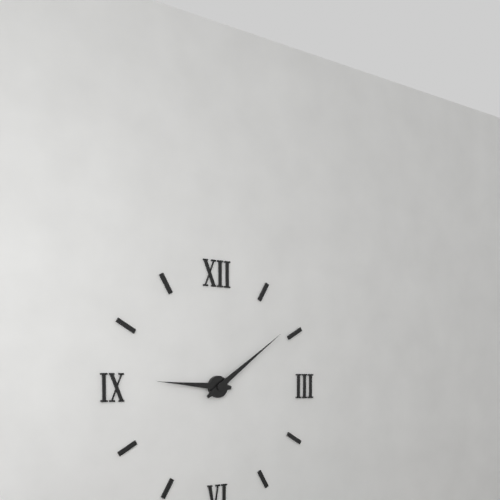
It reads {"hour": 9, "minute": 9}
